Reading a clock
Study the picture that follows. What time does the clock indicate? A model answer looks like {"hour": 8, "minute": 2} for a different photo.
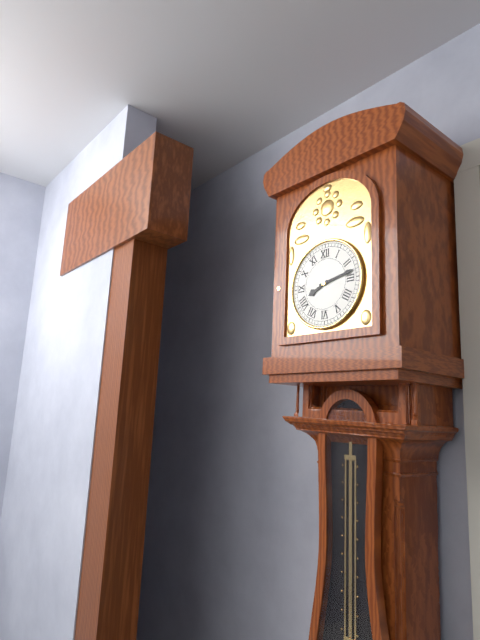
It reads {"hour": 8, "minute": 13}
